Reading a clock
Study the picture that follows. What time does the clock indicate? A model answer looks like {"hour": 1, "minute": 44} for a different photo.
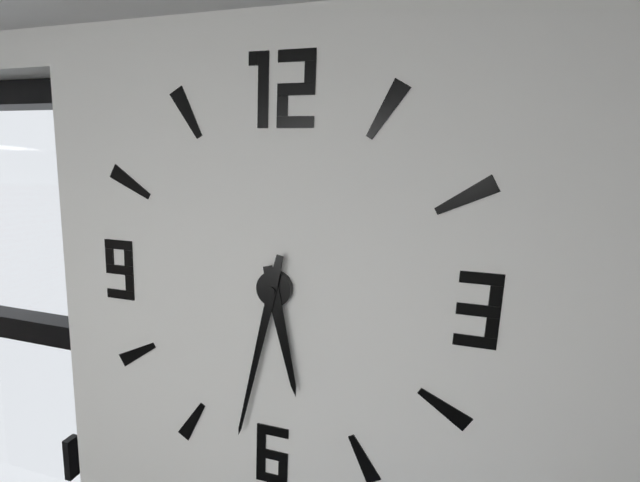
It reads {"hour": 5, "minute": 32}
